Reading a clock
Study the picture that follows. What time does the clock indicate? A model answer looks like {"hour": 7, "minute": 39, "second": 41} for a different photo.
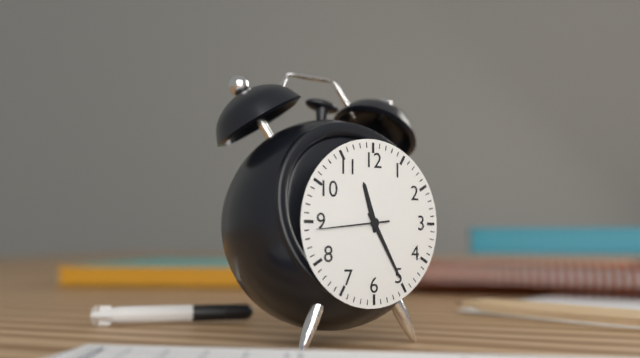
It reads {"hour": 11, "minute": 25, "second": 44}
